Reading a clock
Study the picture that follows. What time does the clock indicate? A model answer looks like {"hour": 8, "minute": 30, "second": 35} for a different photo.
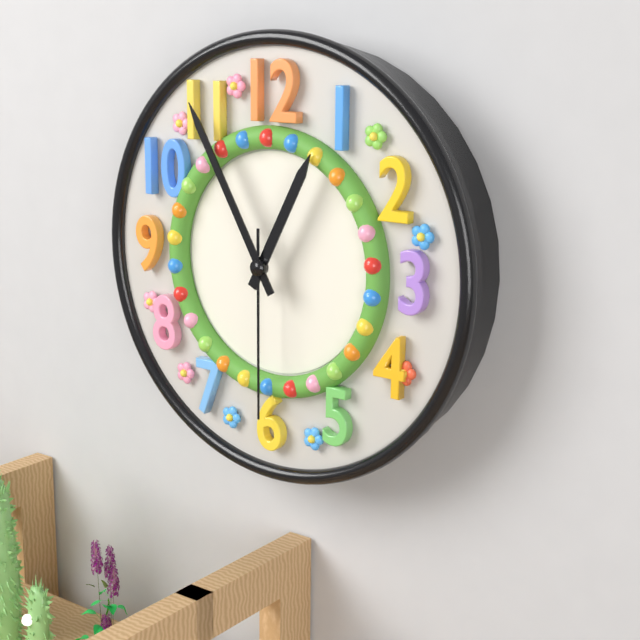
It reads {"hour": 12, "minute": 55, "second": 30}
